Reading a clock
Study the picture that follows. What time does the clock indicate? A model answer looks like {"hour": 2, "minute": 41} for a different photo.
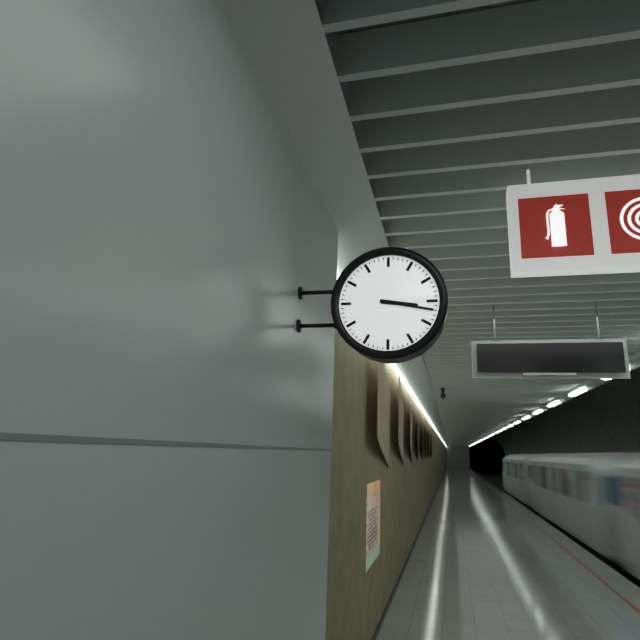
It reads {"hour": 3, "minute": 17}
